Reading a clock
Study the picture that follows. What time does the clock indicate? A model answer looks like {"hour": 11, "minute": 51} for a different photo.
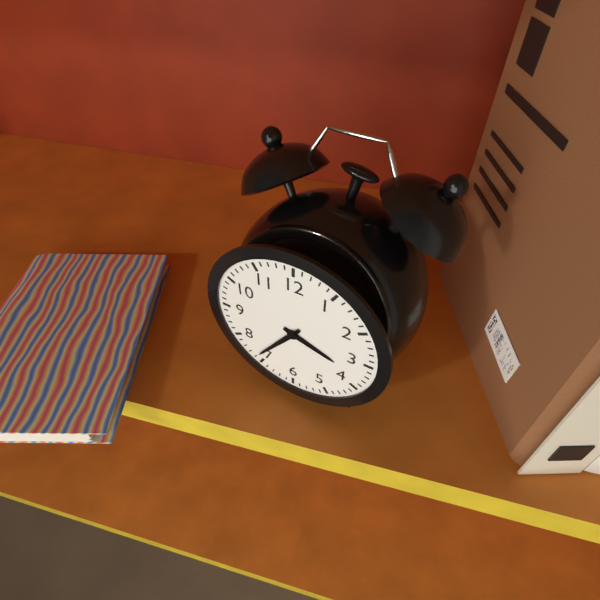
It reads {"hour": 3, "minute": 36}
